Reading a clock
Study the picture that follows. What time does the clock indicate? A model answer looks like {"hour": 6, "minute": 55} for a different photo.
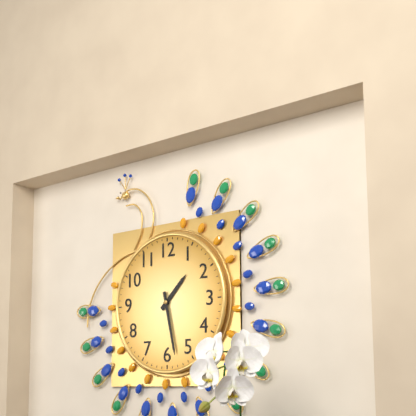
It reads {"hour": 1, "minute": 28}
